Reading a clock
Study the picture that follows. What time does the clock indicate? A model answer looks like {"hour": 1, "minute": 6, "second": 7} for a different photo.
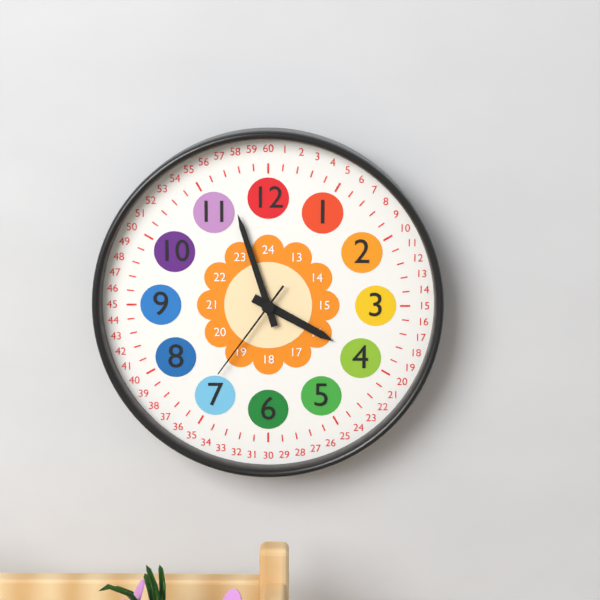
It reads {"hour": 3, "minute": 57, "second": 36}
